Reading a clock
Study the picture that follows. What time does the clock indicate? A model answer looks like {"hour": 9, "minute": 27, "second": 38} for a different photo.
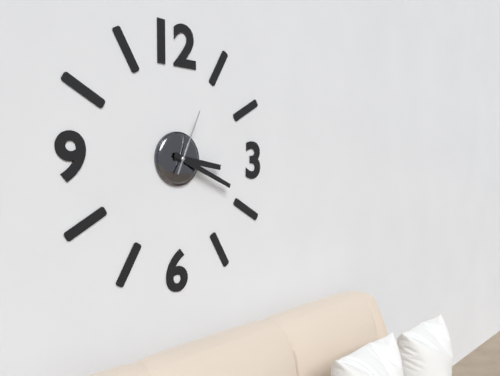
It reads {"hour": 3, "minute": 19, "second": 4}
